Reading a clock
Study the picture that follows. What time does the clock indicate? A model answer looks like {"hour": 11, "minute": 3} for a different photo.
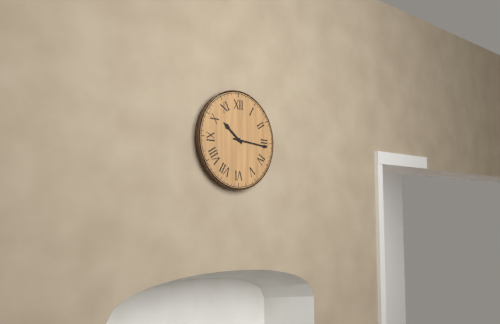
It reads {"hour": 10, "minute": 16}
